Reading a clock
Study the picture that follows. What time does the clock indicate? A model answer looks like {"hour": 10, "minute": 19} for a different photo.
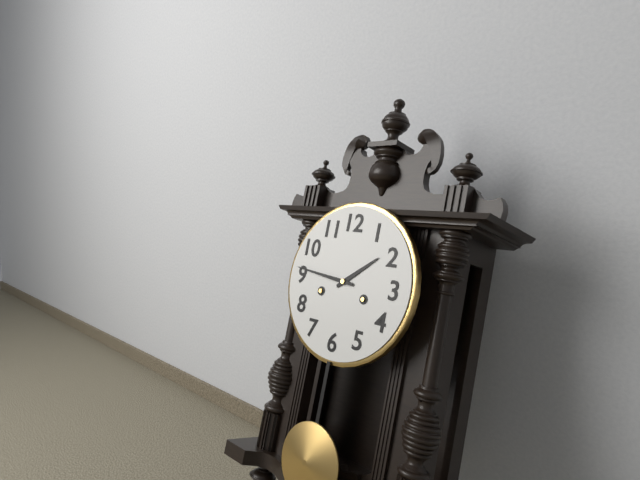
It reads {"hour": 1, "minute": 46}
